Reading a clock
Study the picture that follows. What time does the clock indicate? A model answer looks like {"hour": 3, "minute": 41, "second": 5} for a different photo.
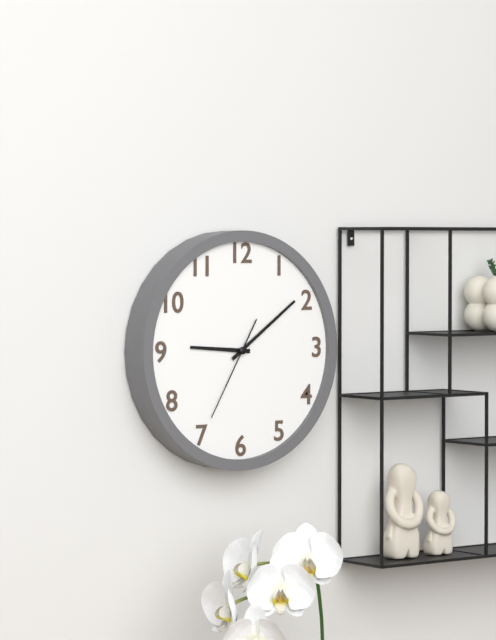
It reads {"hour": 9, "minute": 9, "second": 35}
